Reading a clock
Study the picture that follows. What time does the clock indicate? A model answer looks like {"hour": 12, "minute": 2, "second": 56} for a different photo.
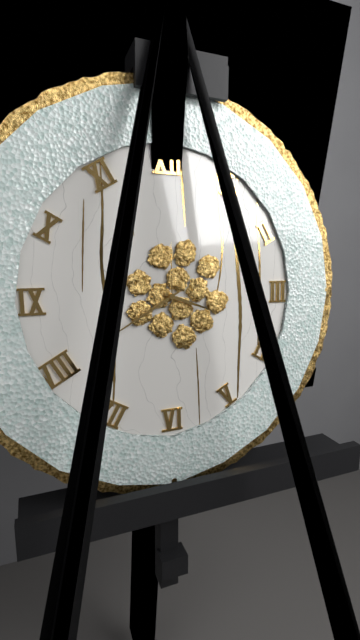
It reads {"hour": 3, "minute": 40, "second": 0}
